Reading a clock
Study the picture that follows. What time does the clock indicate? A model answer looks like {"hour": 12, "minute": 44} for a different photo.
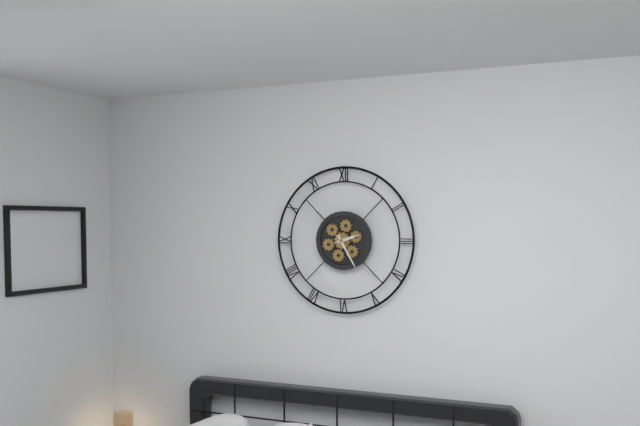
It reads {"hour": 2, "minute": 25}
